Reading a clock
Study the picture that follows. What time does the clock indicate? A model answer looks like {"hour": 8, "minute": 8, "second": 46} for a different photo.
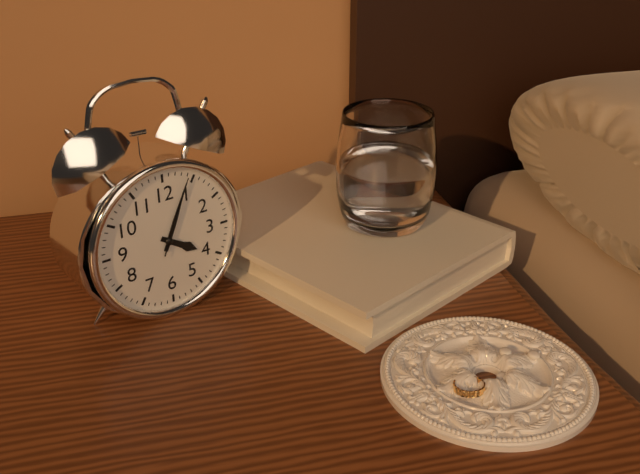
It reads {"hour": 4, "minute": 4, "second": 4}
